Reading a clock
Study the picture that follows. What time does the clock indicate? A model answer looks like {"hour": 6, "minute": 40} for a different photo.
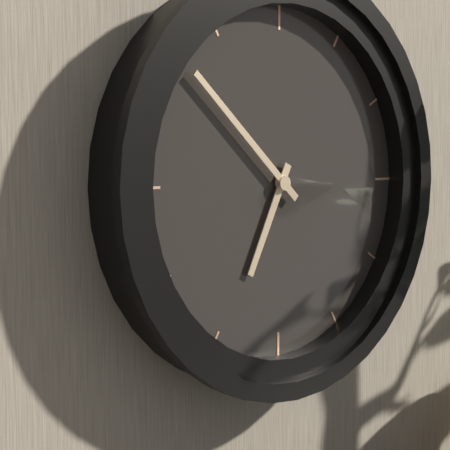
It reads {"hour": 6, "minute": 52}
